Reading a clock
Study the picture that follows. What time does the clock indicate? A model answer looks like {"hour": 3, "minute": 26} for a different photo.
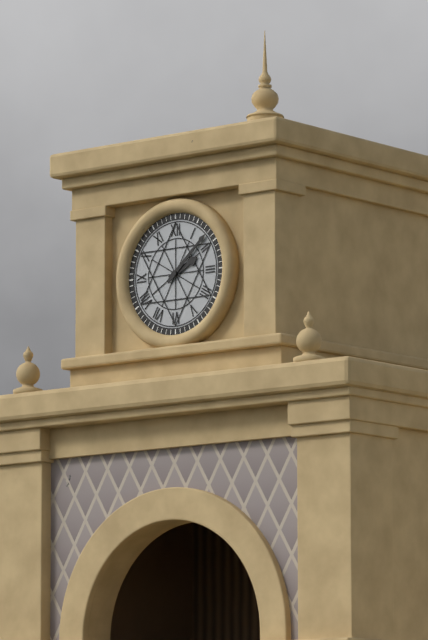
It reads {"hour": 2, "minute": 8}
